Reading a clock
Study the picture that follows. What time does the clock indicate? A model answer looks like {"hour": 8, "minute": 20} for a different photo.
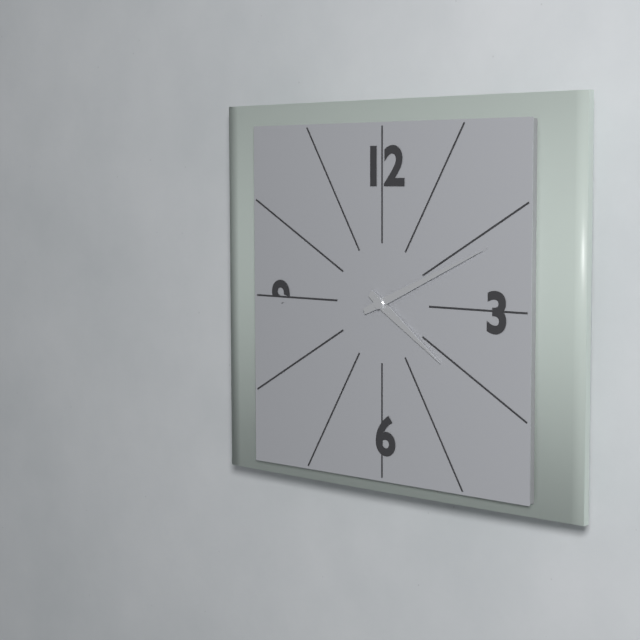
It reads {"hour": 4, "minute": 11}
